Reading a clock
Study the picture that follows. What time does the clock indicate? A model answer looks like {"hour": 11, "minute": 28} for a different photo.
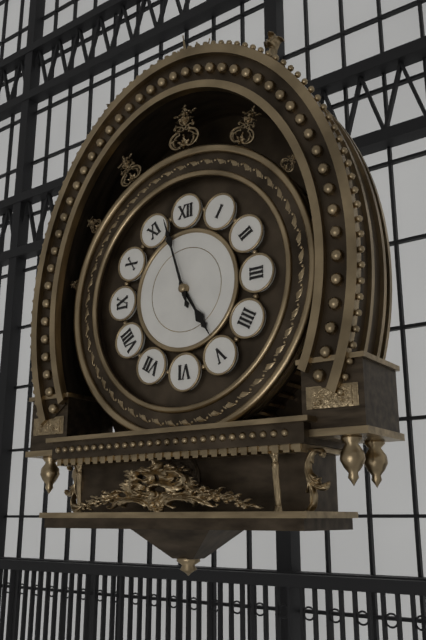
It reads {"hour": 4, "minute": 57}
